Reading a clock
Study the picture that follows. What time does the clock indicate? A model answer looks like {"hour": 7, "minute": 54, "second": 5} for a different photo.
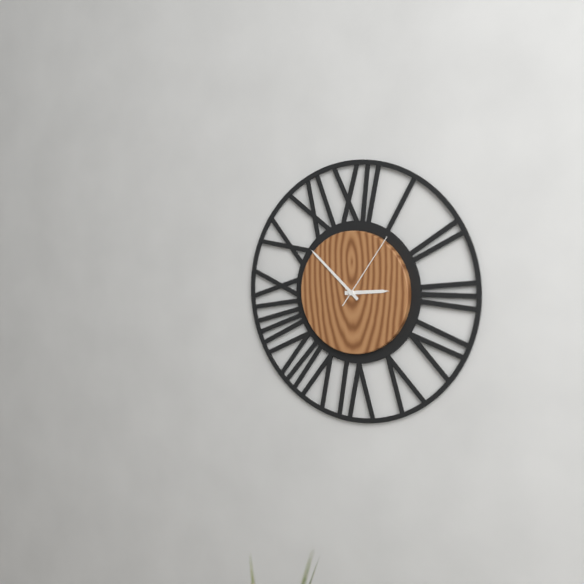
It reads {"hour": 2, "minute": 52, "second": 6}
